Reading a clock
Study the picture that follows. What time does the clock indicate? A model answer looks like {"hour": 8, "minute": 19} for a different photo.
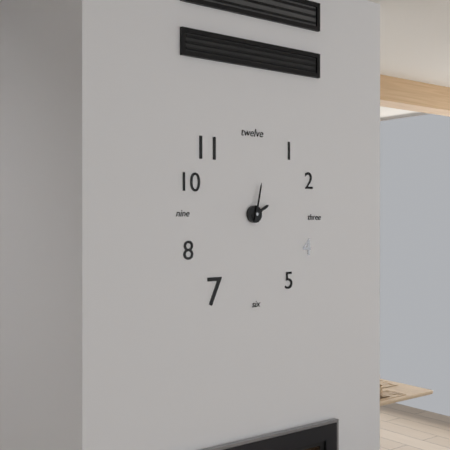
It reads {"hour": 2, "minute": 2}
